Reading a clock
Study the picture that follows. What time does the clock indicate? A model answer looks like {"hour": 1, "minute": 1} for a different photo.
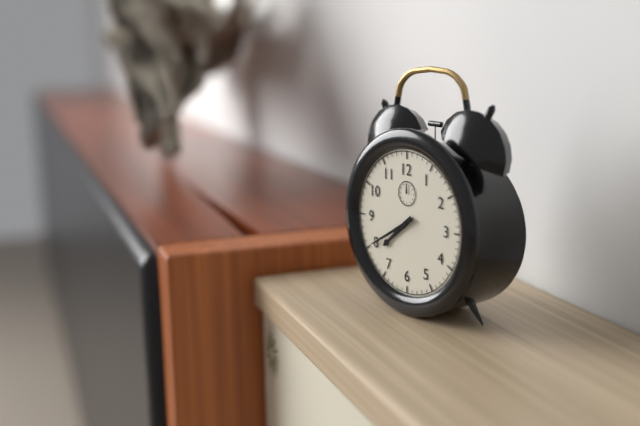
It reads {"hour": 7, "minute": 40}
